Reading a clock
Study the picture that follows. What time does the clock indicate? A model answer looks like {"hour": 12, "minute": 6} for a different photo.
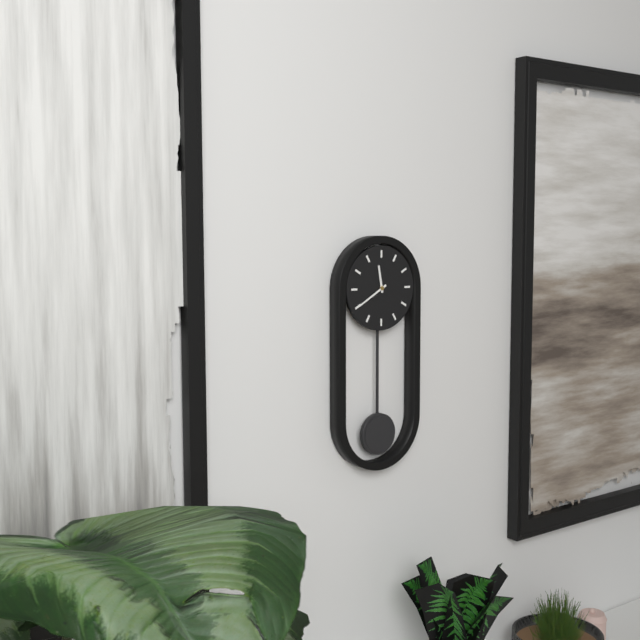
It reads {"hour": 11, "minute": 40}
